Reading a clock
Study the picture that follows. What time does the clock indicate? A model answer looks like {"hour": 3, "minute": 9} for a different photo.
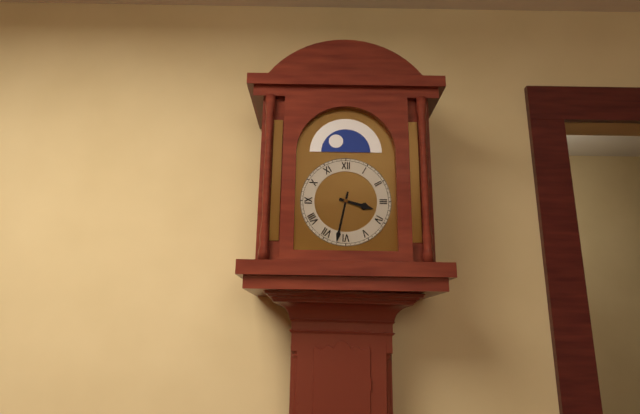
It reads {"hour": 3, "minute": 32}
